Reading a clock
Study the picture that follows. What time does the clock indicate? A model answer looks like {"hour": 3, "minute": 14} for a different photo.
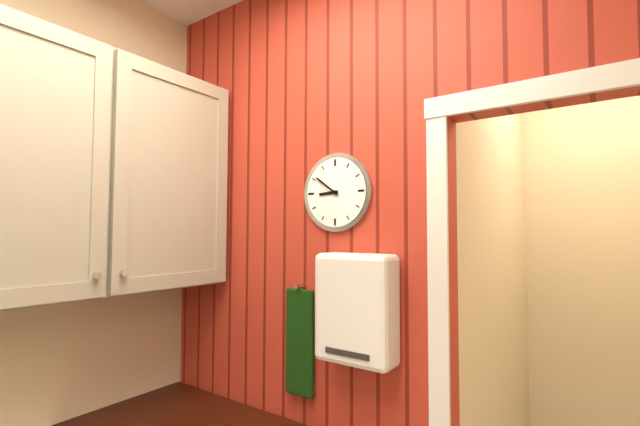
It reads {"hour": 8, "minute": 51}
